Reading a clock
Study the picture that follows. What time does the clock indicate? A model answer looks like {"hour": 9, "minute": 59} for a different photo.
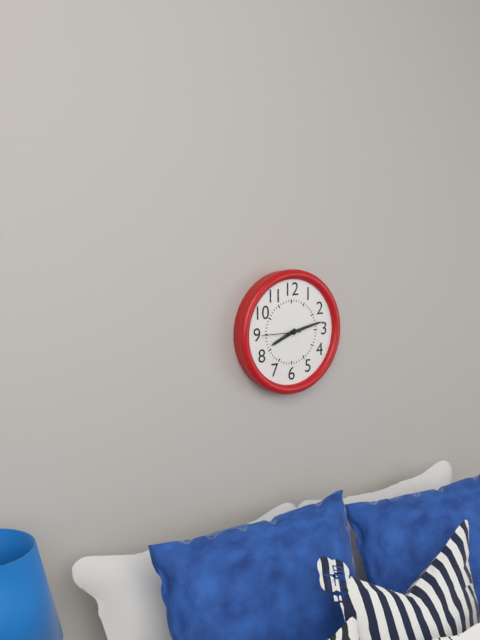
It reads {"hour": 8, "minute": 13}
